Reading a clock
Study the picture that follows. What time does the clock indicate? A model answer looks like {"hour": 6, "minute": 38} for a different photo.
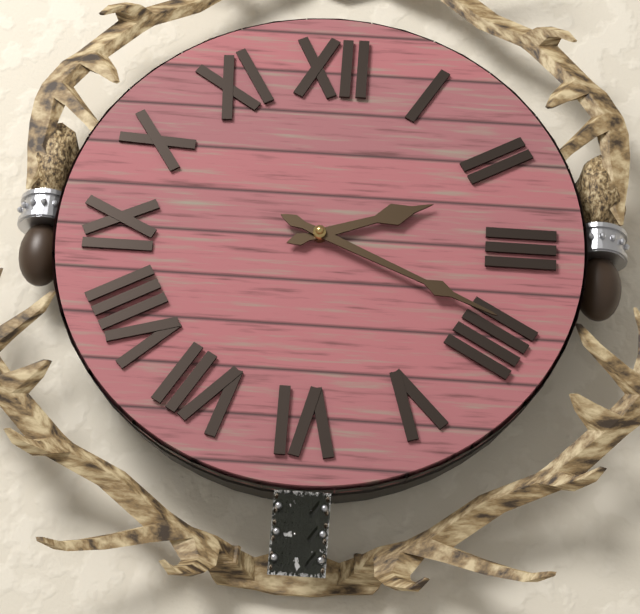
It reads {"hour": 2, "minute": 19}
